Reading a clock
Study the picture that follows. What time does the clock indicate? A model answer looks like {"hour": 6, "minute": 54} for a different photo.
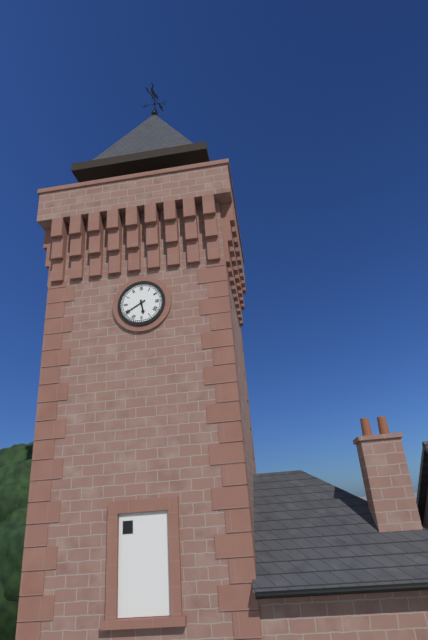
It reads {"hour": 5, "minute": 40}
